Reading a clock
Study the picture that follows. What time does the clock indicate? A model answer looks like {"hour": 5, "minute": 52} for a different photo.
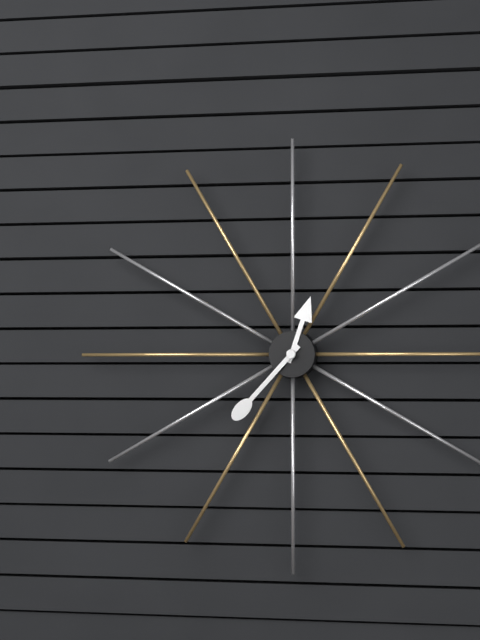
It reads {"hour": 12, "minute": 37}
